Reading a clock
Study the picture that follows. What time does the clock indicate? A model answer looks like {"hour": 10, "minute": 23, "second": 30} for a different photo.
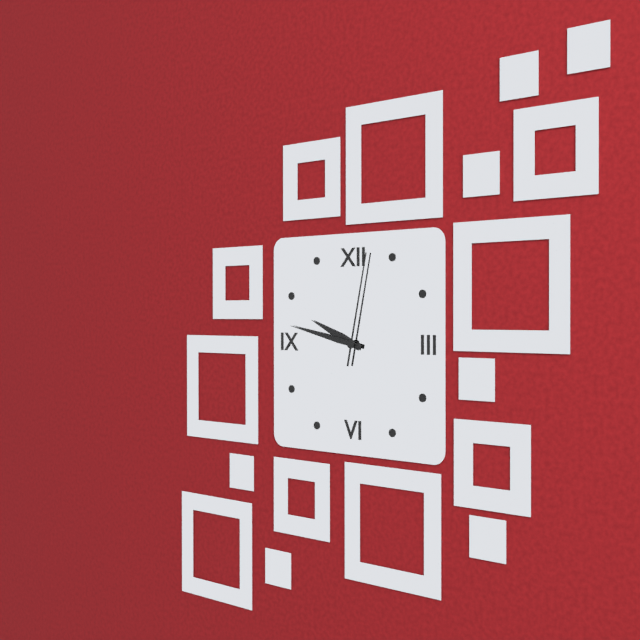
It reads {"hour": 9, "minute": 47, "second": 2}
